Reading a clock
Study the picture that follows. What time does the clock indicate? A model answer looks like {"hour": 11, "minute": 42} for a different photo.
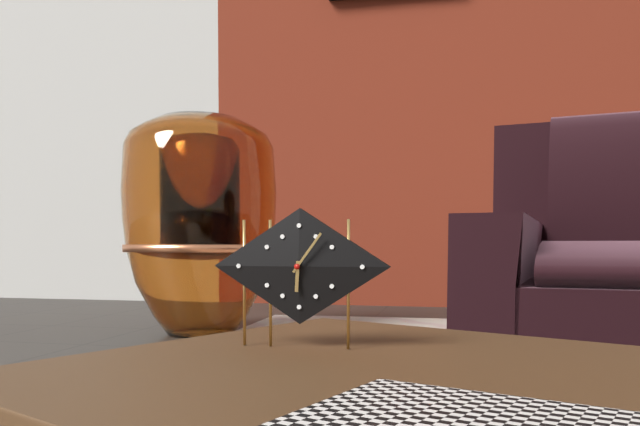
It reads {"hour": 6, "minute": 6}
